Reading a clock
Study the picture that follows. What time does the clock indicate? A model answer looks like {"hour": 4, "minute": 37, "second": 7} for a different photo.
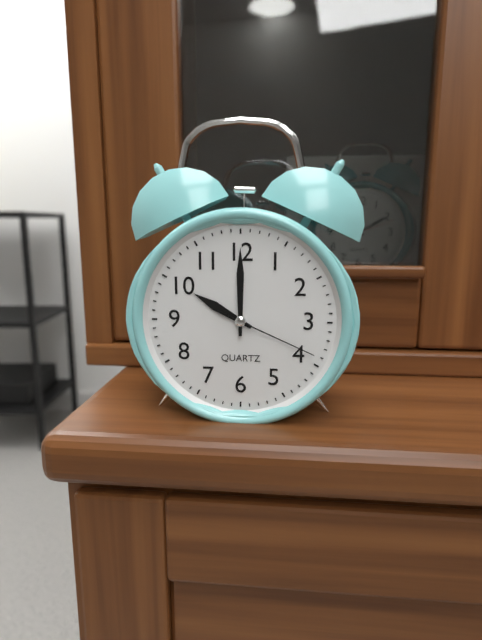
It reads {"hour": 10, "minute": 0, "second": 19}
